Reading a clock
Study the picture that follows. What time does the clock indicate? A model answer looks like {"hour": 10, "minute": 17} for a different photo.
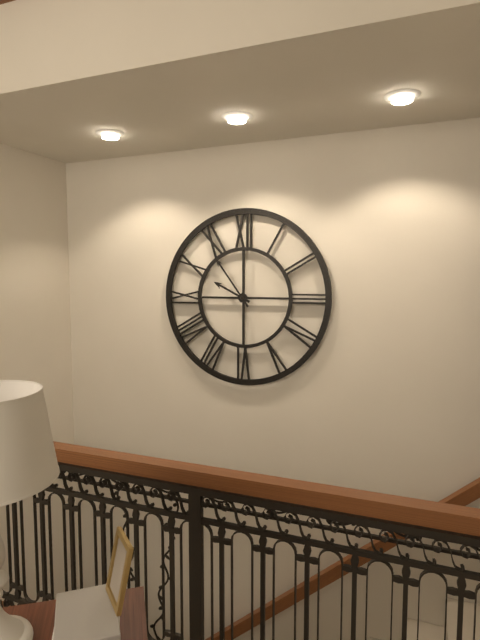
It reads {"hour": 9, "minute": 54}
